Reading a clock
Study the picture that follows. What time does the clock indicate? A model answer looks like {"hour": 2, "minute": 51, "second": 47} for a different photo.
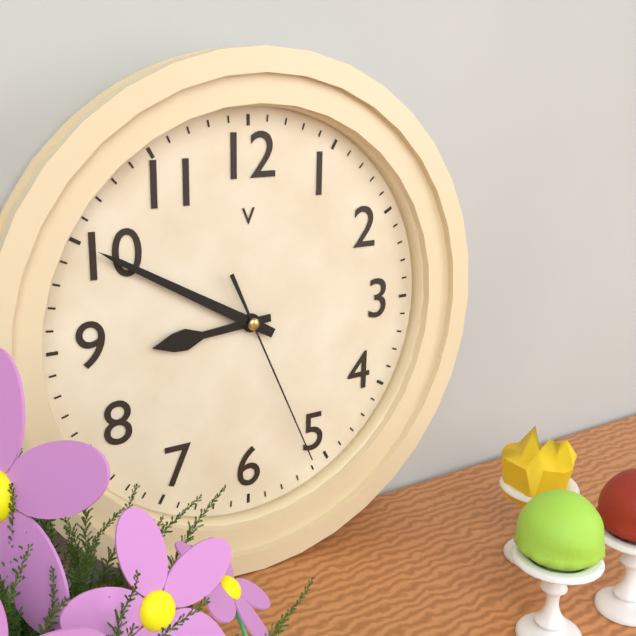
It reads {"hour": 8, "minute": 50, "second": 26}
